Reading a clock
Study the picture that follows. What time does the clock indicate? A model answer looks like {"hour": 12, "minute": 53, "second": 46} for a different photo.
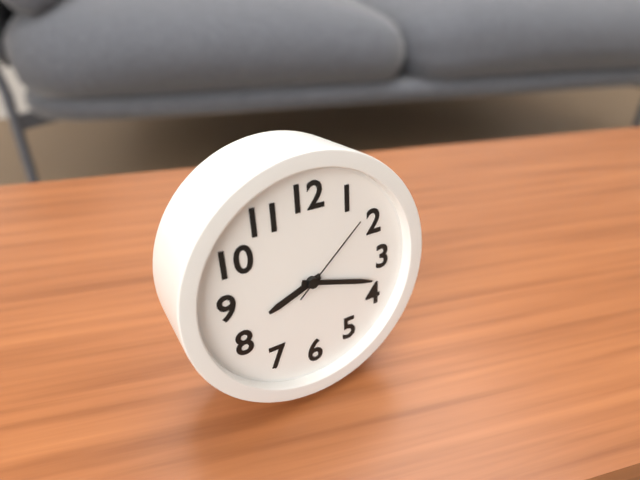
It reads {"hour": 8, "minute": 18, "second": 8}
